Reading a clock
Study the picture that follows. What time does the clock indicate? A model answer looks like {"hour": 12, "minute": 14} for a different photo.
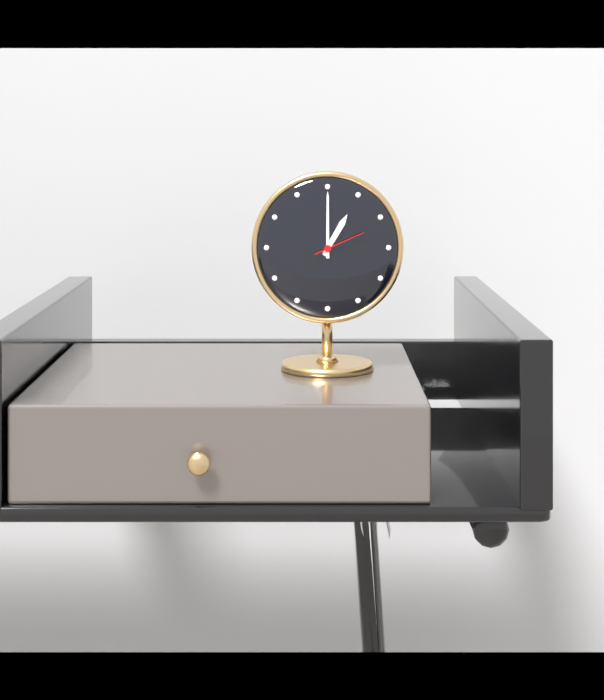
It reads {"hour": 1, "minute": 0}
